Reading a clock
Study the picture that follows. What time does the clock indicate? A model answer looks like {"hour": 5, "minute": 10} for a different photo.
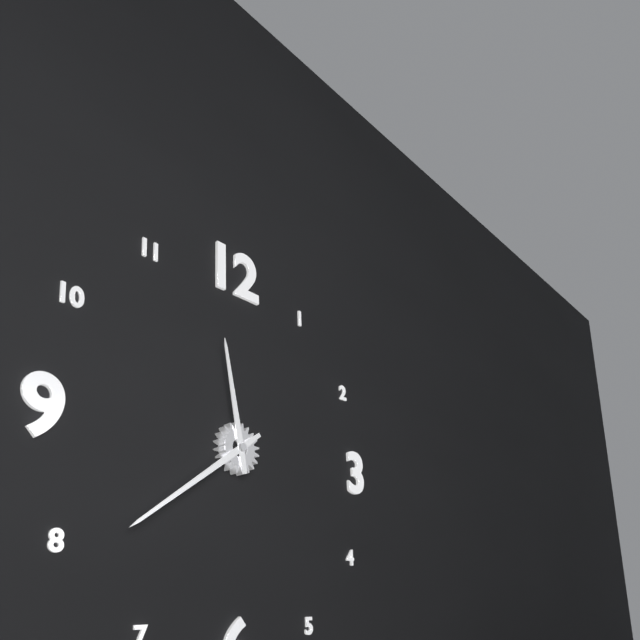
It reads {"hour": 11, "minute": 39}
